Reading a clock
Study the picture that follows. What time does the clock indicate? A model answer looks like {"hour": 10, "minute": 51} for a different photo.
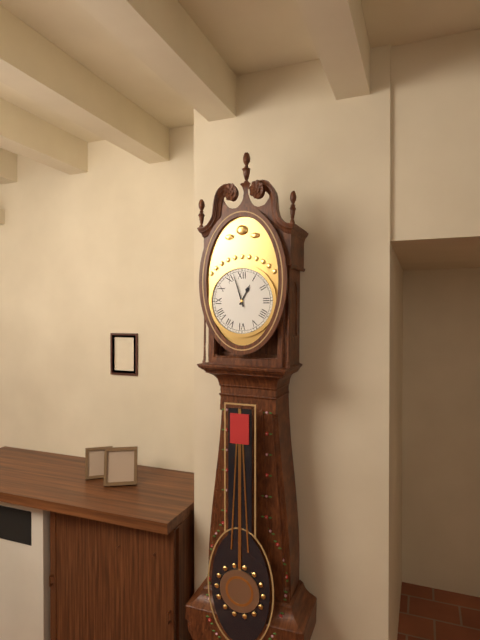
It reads {"hour": 12, "minute": 57}
